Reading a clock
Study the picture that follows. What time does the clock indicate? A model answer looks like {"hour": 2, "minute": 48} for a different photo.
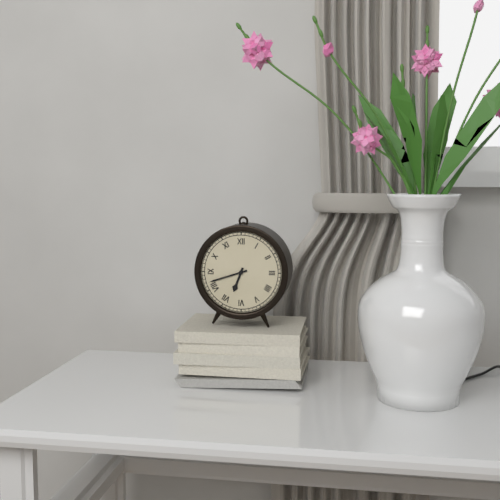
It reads {"hour": 6, "minute": 42}
